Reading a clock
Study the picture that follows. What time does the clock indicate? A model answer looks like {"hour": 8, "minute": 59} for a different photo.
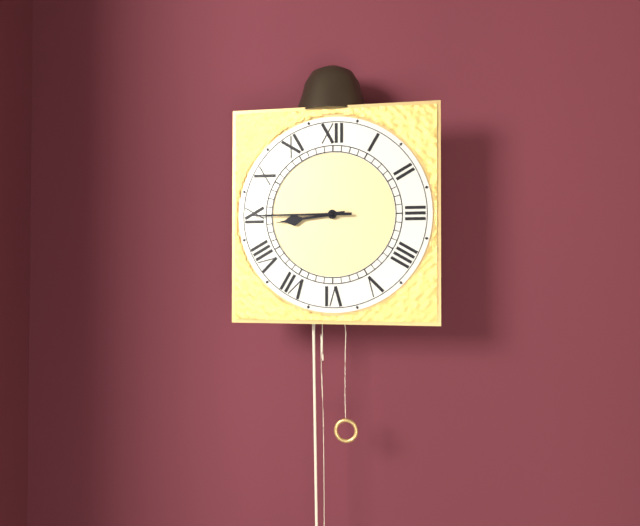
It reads {"hour": 8, "minute": 45}
